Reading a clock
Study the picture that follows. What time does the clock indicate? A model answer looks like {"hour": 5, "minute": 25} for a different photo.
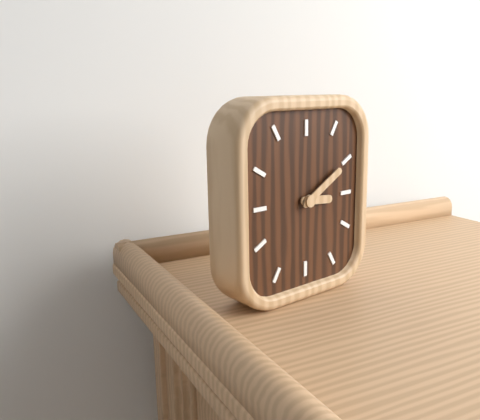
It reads {"hour": 3, "minute": 10}
